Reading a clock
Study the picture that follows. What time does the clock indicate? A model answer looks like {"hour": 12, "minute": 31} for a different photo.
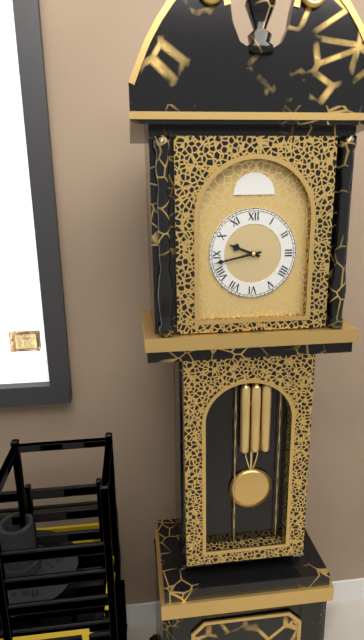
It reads {"hour": 9, "minute": 43}
